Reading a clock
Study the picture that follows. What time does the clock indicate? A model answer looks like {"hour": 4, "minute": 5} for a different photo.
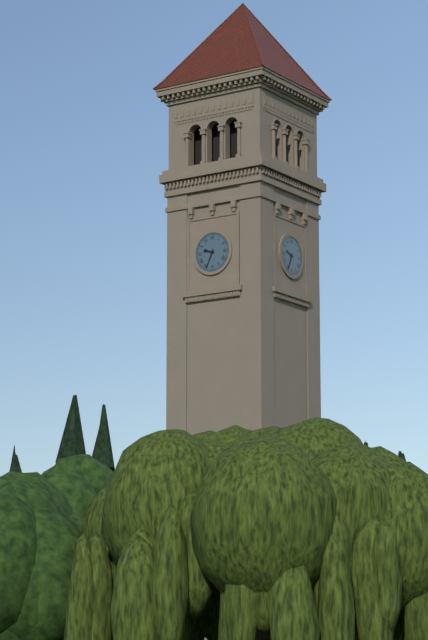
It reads {"hour": 9, "minute": 34}
